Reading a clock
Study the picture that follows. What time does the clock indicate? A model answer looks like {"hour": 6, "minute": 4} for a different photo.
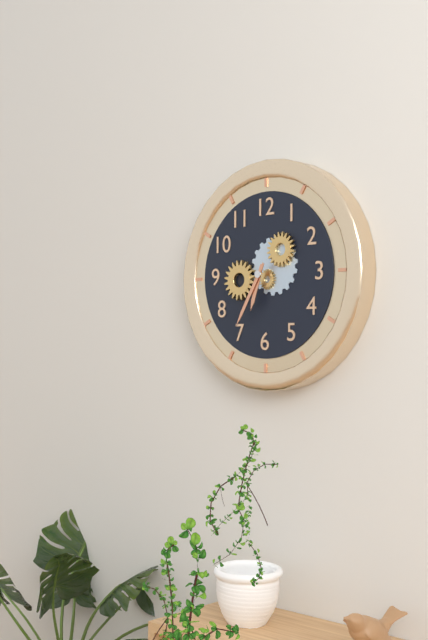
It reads {"hour": 6, "minute": 35}
